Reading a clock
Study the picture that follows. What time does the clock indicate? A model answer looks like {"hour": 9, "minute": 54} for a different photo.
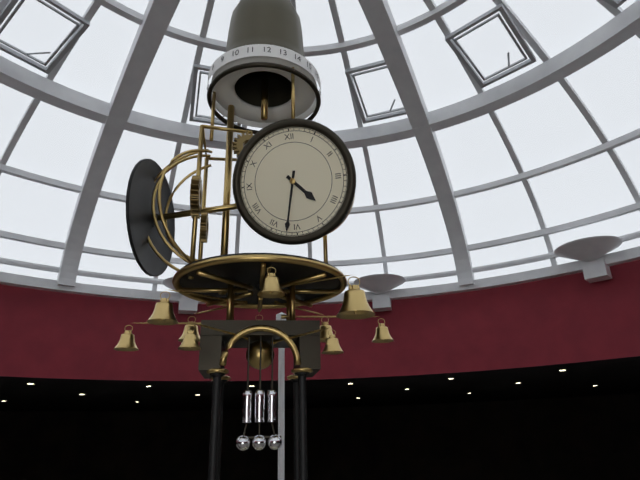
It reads {"hour": 4, "minute": 32}
